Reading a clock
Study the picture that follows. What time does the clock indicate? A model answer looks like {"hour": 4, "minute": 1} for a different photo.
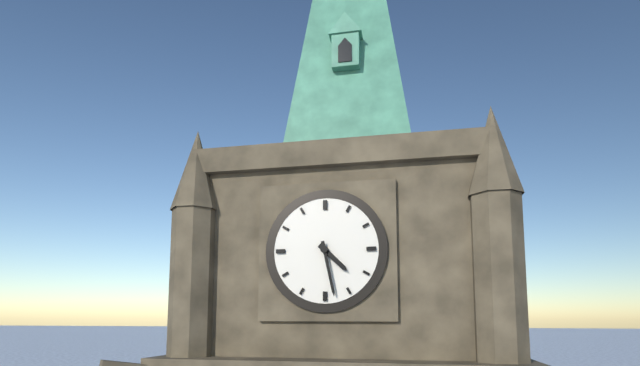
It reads {"hour": 4, "minute": 28}
